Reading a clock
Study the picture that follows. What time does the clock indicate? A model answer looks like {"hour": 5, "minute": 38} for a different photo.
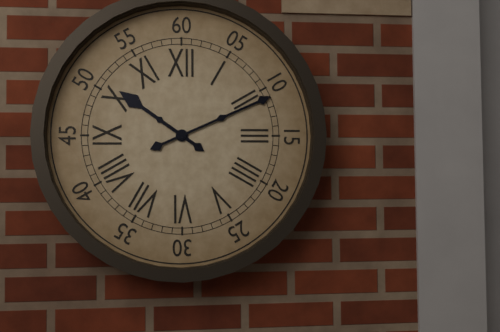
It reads {"hour": 10, "minute": 11}
